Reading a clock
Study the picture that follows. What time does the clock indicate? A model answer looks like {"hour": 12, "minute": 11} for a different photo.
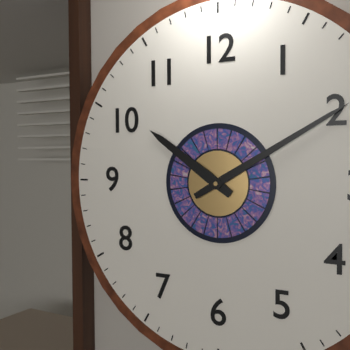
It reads {"hour": 10, "minute": 10}
